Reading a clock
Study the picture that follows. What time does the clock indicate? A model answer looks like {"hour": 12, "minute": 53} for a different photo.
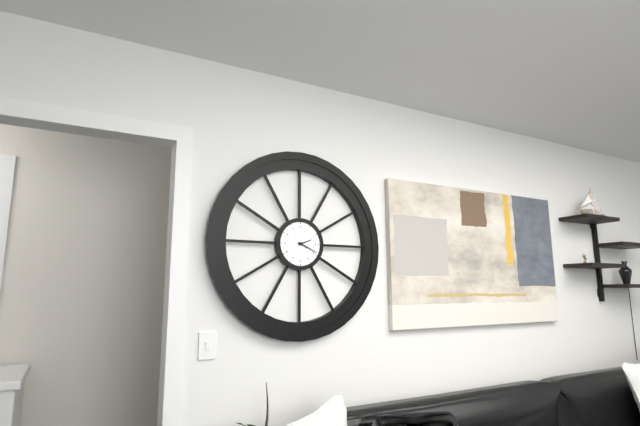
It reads {"hour": 2, "minute": 19}
